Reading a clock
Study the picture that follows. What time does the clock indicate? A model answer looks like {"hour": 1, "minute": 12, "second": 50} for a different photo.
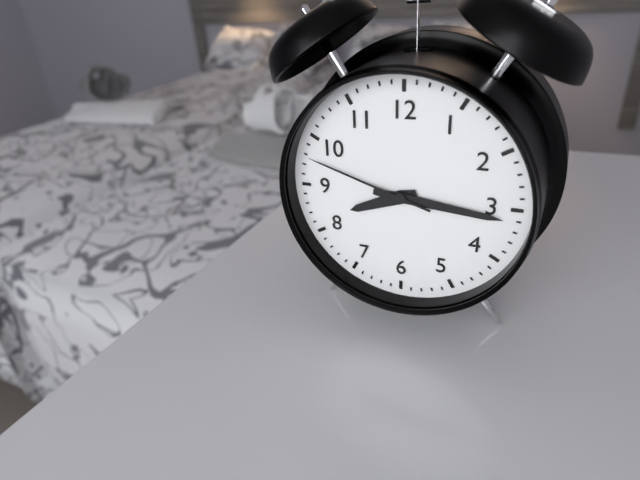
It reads {"hour": 8, "minute": 16, "second": 48}
